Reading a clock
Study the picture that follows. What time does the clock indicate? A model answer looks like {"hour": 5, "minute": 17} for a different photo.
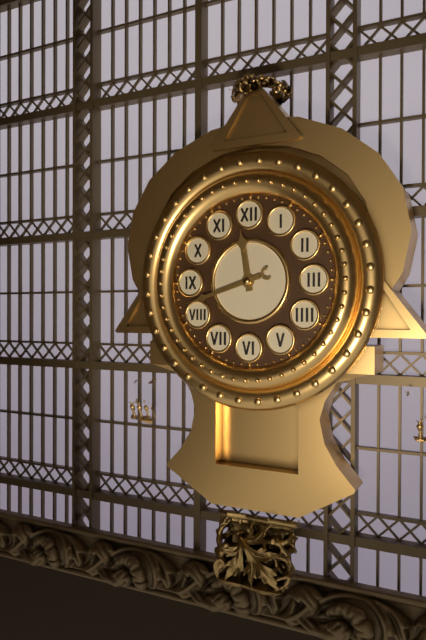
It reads {"hour": 11, "minute": 42}
